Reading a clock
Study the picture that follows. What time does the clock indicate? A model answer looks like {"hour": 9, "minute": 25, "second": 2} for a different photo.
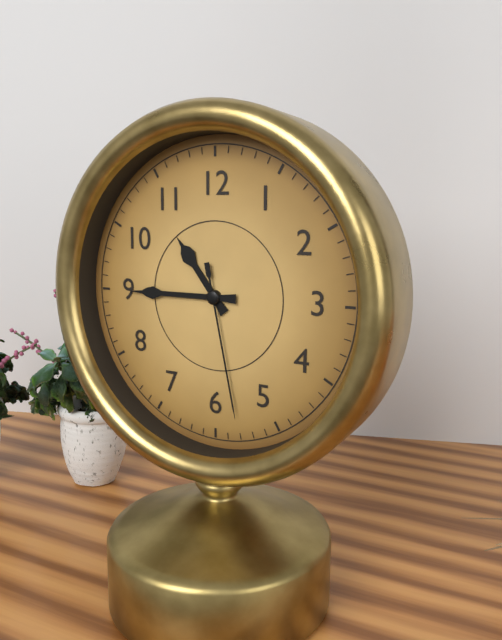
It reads {"hour": 10, "minute": 45, "second": 28}
